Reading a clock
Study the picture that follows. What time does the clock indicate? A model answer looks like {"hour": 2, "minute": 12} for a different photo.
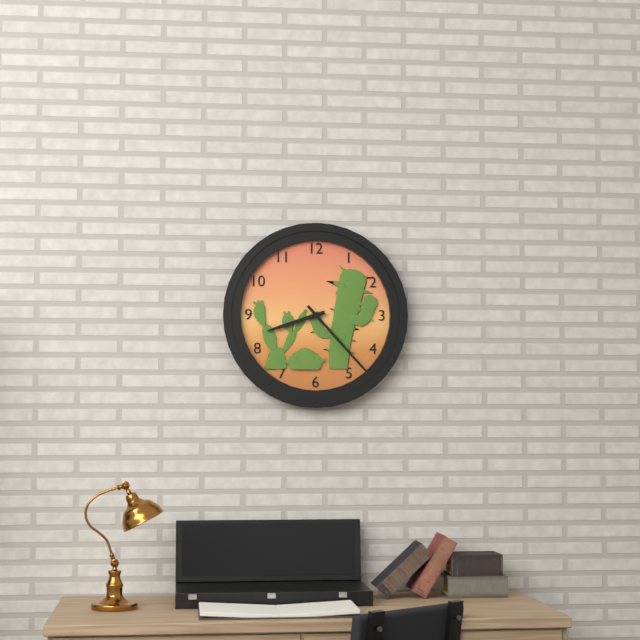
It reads {"hour": 8, "minute": 23}
